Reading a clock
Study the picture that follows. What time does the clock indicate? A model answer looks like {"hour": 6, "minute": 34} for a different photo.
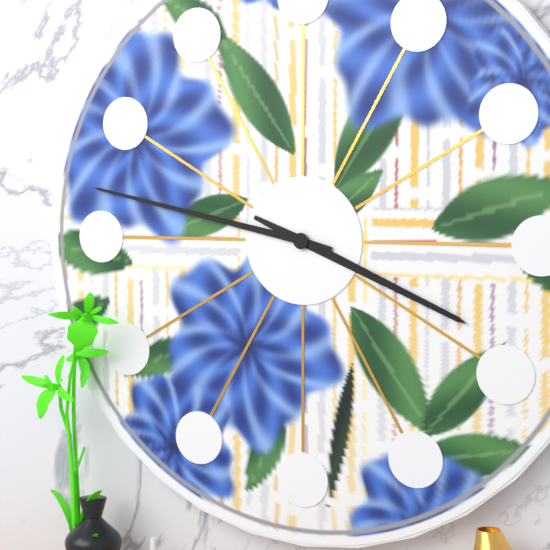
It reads {"hour": 3, "minute": 47}
